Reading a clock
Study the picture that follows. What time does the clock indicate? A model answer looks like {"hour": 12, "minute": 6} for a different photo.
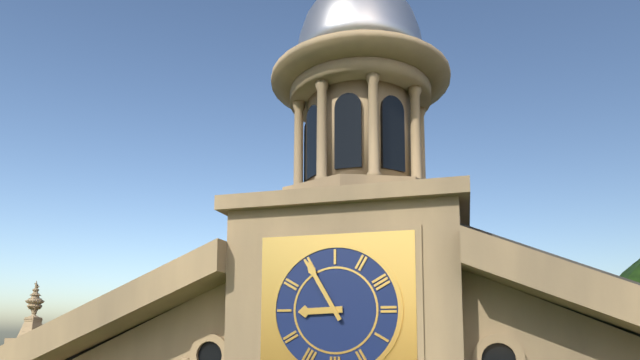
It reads {"hour": 8, "minute": 55}
